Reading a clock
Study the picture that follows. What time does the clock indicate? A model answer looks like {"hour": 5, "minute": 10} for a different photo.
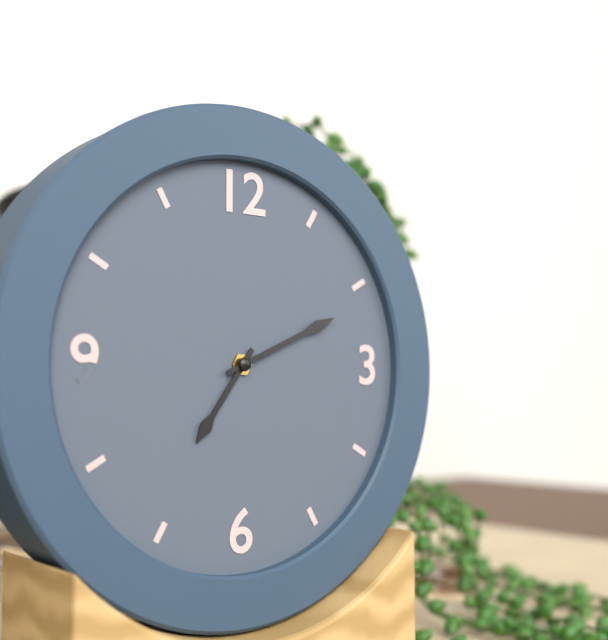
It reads {"hour": 7, "minute": 11}
